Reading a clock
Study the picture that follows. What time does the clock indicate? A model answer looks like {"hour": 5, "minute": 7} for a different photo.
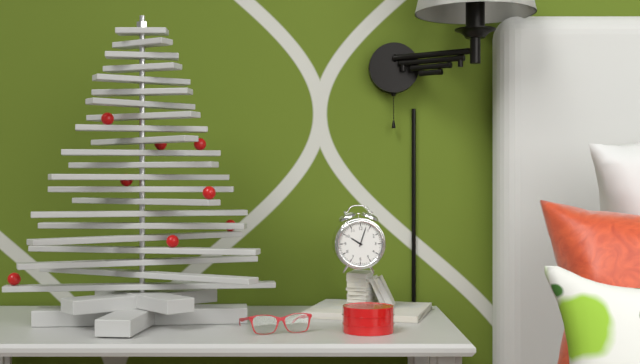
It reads {"hour": 10, "minute": 3}
